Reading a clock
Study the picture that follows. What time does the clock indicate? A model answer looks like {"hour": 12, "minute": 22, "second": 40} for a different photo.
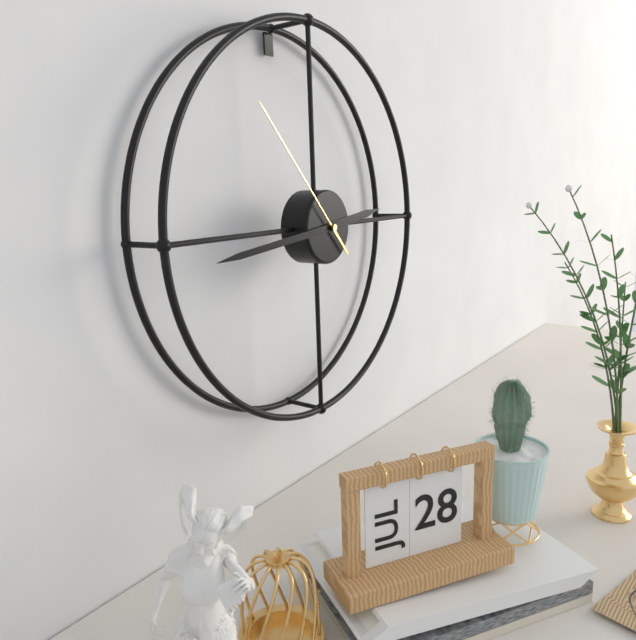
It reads {"hour": 2, "minute": 44, "second": 53}
